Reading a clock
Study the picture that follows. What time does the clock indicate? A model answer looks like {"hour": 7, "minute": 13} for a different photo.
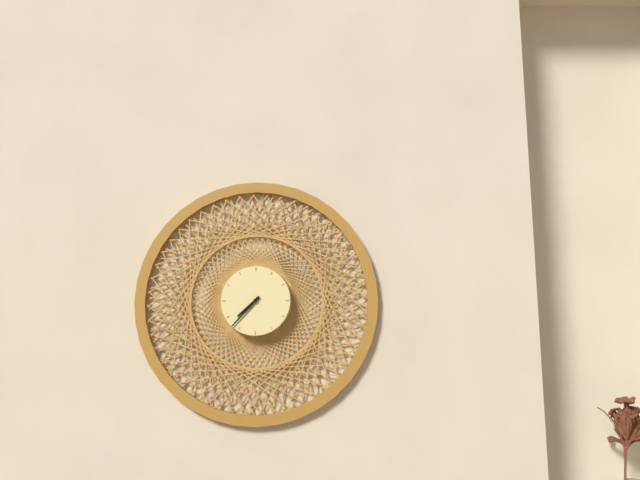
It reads {"hour": 7, "minute": 37}
